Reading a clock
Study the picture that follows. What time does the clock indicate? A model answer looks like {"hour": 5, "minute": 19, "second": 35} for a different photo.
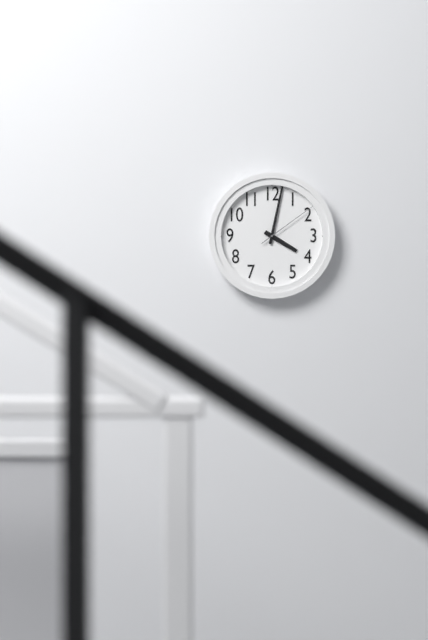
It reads {"hour": 4, "minute": 2, "second": 9}
